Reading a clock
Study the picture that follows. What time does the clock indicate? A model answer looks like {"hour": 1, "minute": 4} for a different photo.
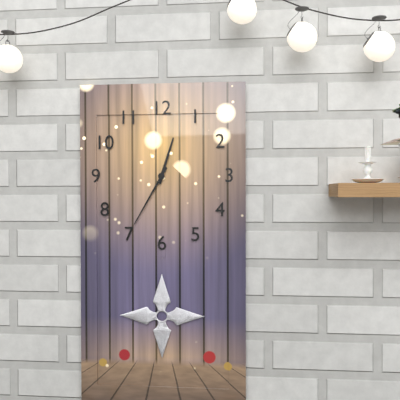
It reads {"hour": 12, "minute": 35}
